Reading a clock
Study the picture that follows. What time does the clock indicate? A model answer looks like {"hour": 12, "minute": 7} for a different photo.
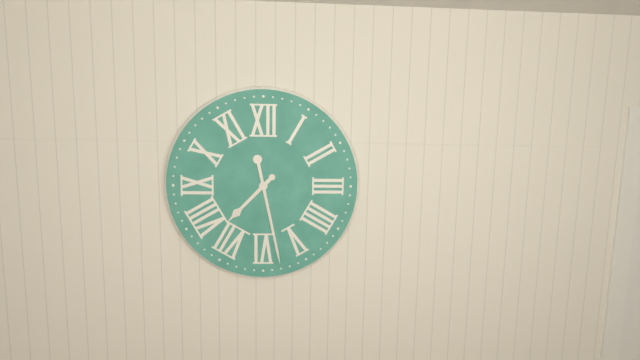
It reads {"hour": 7, "minute": 28}
